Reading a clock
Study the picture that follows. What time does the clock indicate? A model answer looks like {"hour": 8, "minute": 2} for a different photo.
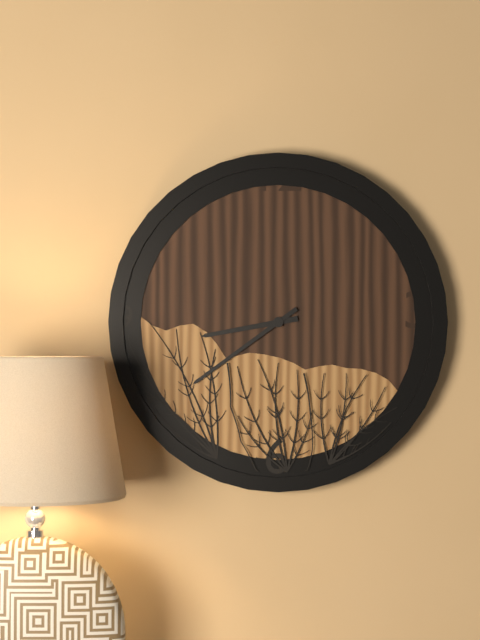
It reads {"hour": 8, "minute": 39}
